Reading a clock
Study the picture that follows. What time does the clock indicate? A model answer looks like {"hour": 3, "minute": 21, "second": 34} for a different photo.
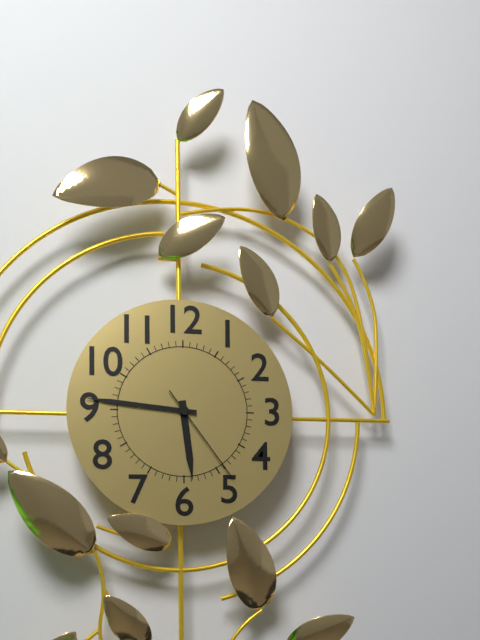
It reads {"hour": 5, "minute": 46, "second": 24}
